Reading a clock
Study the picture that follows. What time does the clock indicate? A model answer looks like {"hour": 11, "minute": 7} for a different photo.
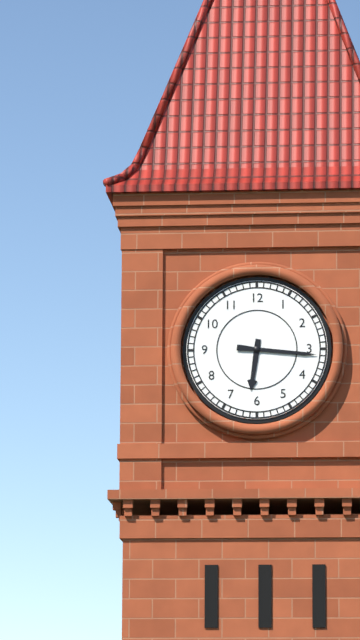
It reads {"hour": 6, "minute": 16}
